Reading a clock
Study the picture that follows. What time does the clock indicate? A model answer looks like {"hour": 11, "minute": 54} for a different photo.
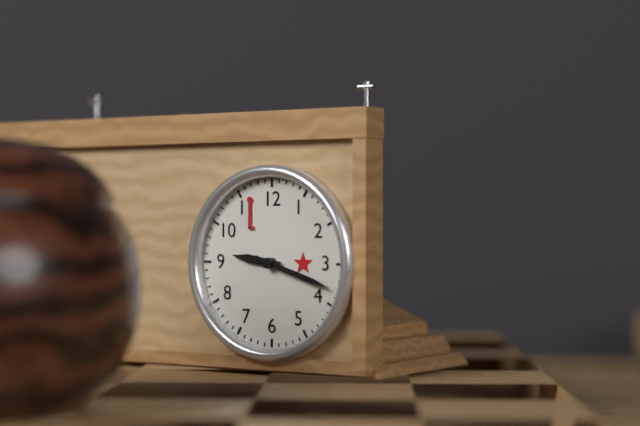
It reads {"hour": 9, "minute": 18}
